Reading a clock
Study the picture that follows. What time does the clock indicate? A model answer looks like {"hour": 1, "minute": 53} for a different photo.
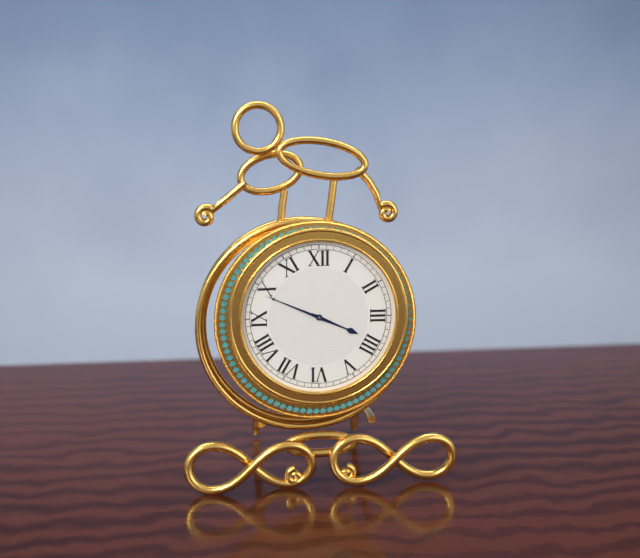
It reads {"hour": 3, "minute": 49}
